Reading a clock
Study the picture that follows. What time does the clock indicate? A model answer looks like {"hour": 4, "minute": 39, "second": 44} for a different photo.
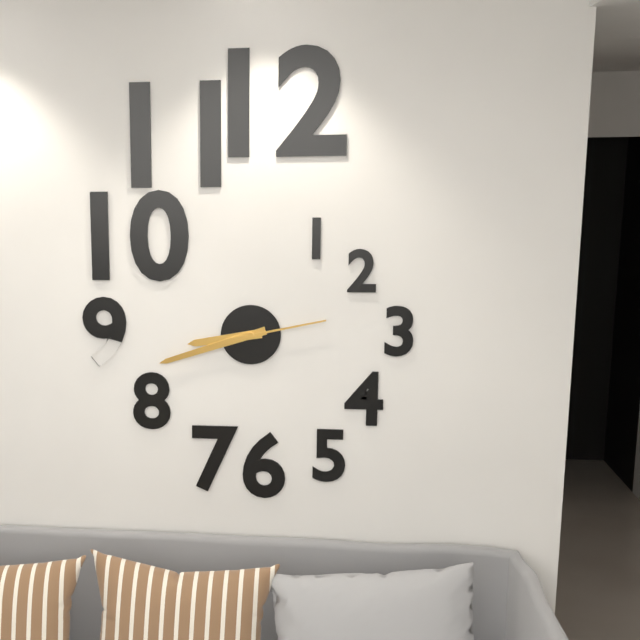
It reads {"hour": 8, "minute": 42, "second": 13}
